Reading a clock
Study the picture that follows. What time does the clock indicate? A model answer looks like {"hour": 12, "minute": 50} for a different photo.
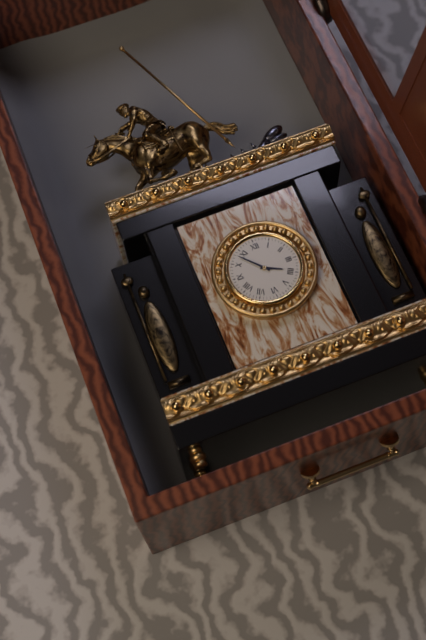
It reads {"hour": 3, "minute": 53}
